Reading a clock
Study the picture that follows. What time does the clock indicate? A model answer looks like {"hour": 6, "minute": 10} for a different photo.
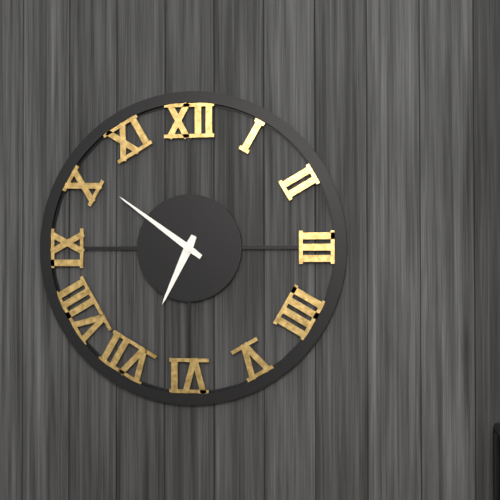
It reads {"hour": 6, "minute": 51}
